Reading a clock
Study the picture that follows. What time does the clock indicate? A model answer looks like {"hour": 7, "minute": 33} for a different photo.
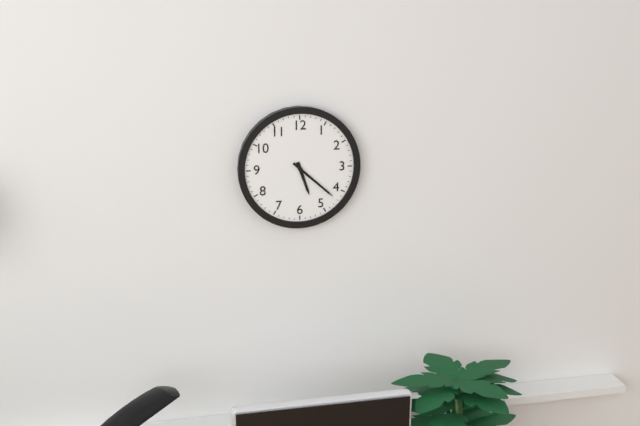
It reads {"hour": 5, "minute": 22}
